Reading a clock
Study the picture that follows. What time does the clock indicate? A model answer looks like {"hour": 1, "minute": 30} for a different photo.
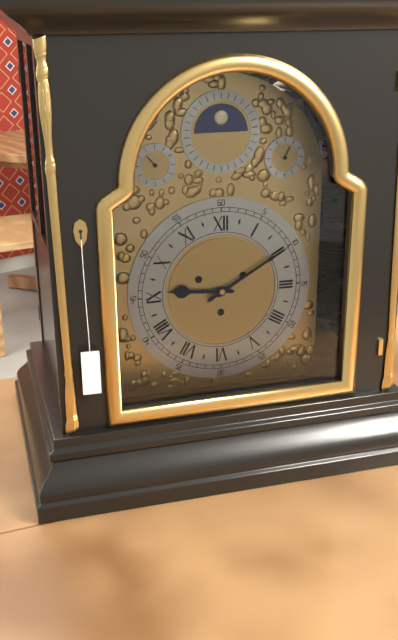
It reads {"hour": 9, "minute": 10}
